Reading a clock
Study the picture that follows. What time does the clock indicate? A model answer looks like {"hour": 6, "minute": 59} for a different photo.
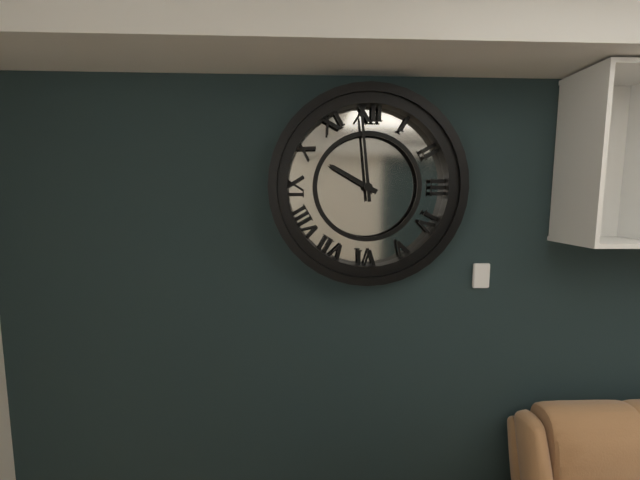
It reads {"hour": 9, "minute": 59}
